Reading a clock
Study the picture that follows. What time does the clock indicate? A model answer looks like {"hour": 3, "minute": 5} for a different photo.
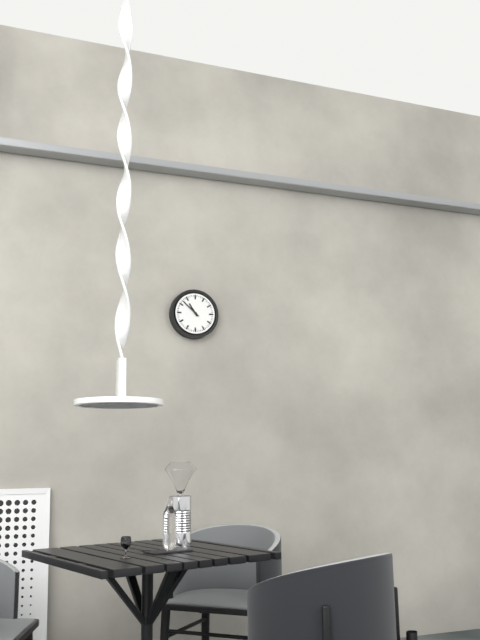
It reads {"hour": 10, "minute": 52}
